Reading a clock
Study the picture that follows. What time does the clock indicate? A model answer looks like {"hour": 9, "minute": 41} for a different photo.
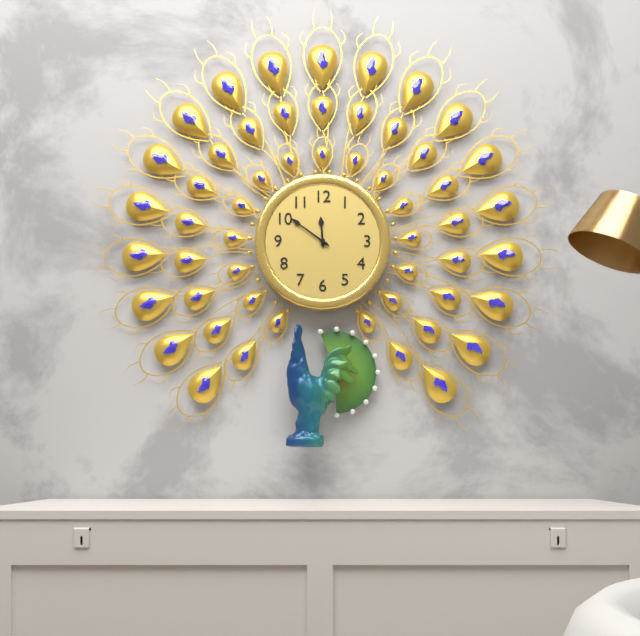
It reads {"hour": 11, "minute": 51}
